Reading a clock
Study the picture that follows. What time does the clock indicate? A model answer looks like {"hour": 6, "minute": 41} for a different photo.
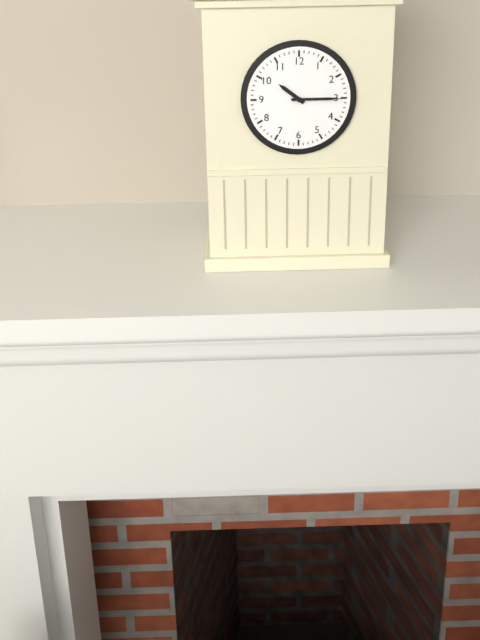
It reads {"hour": 10, "minute": 15}
